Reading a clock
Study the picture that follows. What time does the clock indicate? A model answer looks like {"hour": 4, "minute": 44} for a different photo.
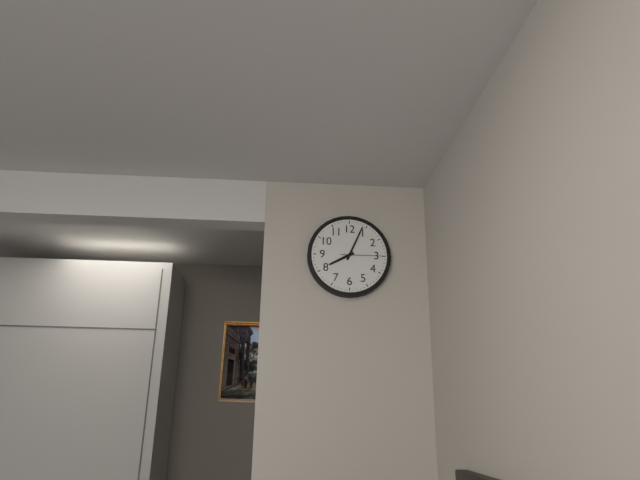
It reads {"hour": 8, "minute": 4}
